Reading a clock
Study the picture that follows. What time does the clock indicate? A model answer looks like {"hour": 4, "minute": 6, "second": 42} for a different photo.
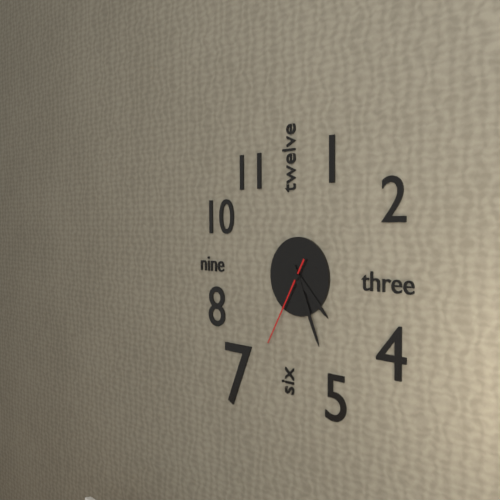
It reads {"hour": 4, "minute": 26, "second": 35}
